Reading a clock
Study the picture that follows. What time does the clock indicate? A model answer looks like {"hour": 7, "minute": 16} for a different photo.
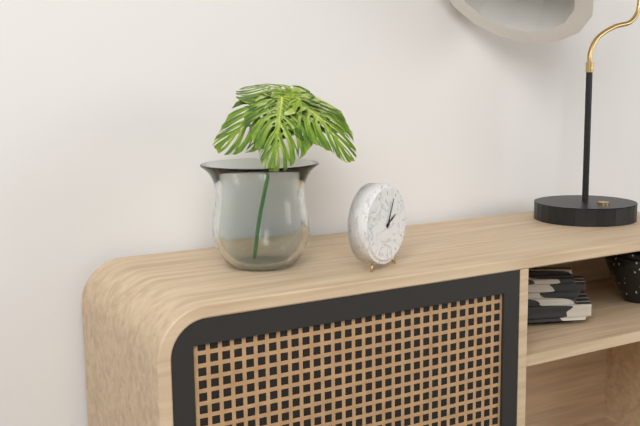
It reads {"hour": 2, "minute": 4}
